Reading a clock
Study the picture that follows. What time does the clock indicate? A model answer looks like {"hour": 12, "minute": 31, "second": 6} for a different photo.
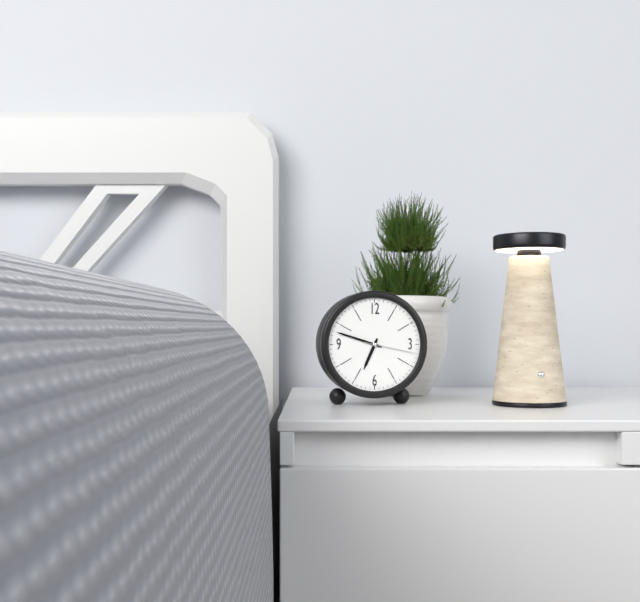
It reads {"hour": 6, "minute": 48, "second": 17}
